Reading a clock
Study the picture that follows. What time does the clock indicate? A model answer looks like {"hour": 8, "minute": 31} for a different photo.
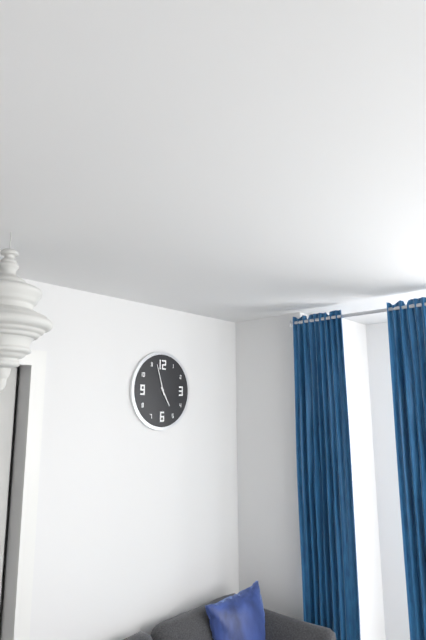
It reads {"hour": 4, "minute": 57}
